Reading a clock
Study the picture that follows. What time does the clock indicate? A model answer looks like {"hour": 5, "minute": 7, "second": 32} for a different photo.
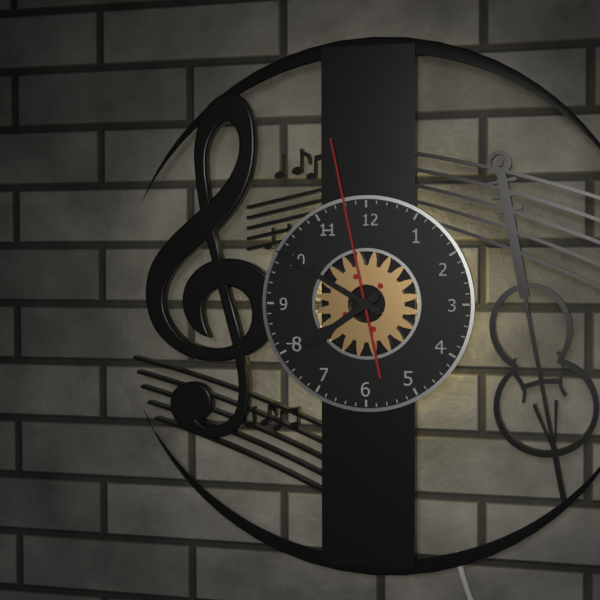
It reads {"hour": 7, "minute": 50, "second": 58}
